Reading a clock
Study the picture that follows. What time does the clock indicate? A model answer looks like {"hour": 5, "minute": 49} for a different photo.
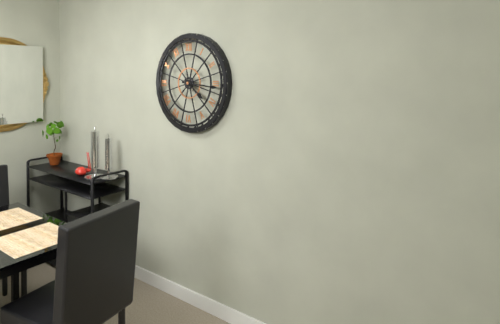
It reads {"hour": 4, "minute": 16}
